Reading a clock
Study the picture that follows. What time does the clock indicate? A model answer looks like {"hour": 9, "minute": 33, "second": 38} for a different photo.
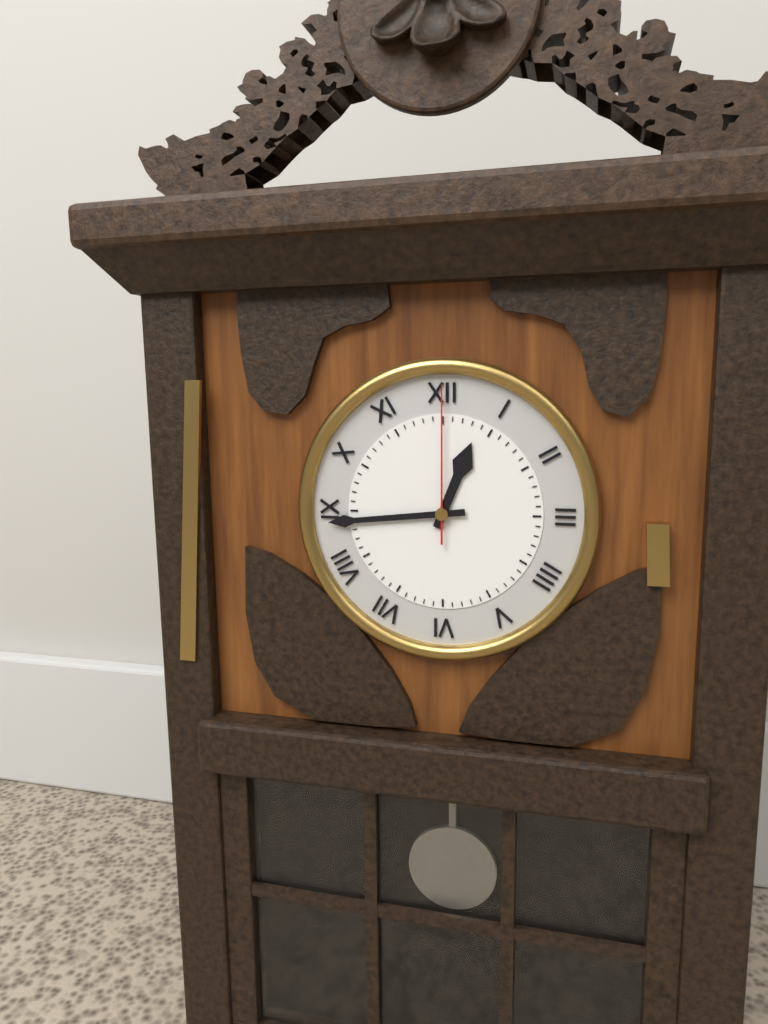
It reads {"hour": 12, "minute": 44, "second": 0}
